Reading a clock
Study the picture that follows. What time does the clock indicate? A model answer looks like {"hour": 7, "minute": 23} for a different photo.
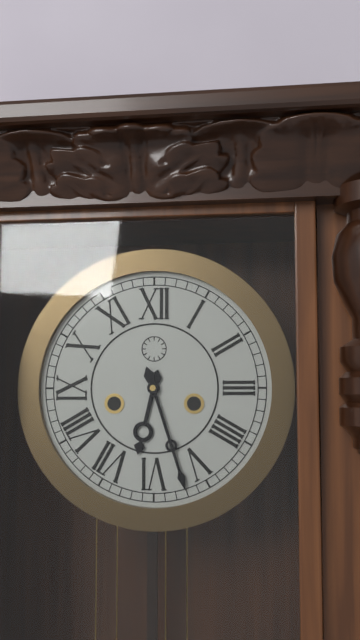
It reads {"hour": 6, "minute": 27}
